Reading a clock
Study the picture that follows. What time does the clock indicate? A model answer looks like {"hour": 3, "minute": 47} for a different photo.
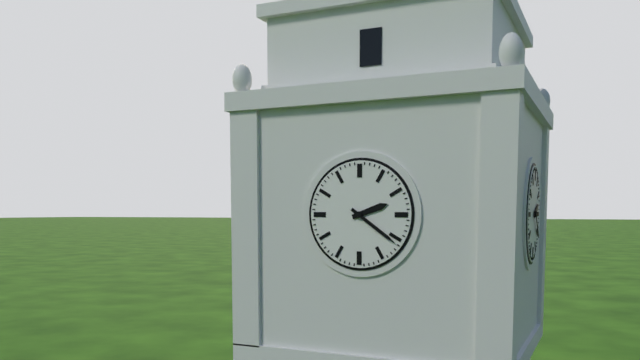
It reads {"hour": 2, "minute": 21}
